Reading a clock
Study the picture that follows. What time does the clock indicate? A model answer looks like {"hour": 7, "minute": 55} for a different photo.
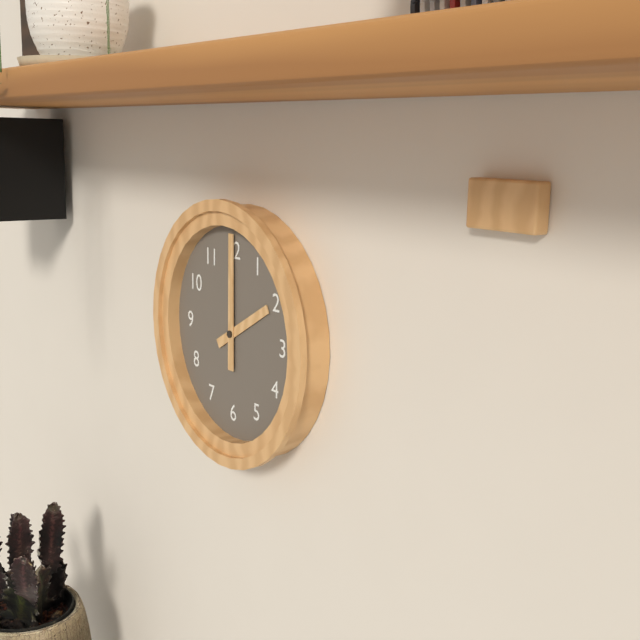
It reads {"hour": 2, "minute": 0}
